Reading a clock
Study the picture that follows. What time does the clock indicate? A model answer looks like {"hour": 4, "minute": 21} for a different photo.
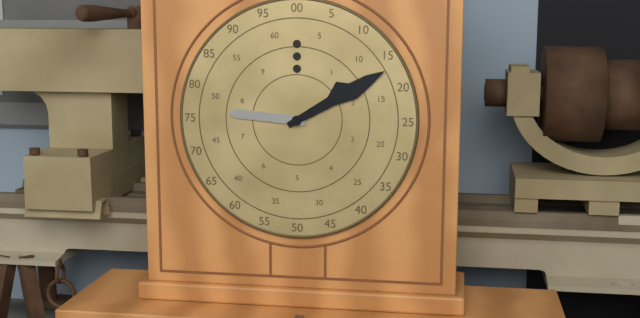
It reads {"hour": 9, "minute": 10}
